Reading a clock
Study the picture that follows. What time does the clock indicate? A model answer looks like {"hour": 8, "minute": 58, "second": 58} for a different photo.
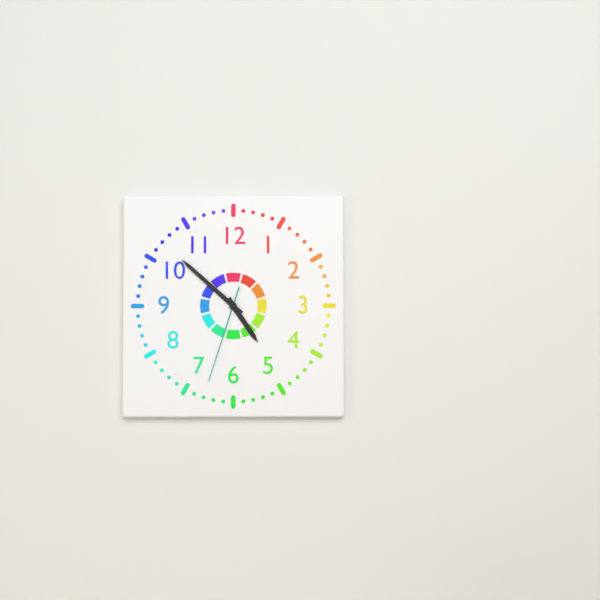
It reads {"hour": 4, "minute": 52, "second": 33}
